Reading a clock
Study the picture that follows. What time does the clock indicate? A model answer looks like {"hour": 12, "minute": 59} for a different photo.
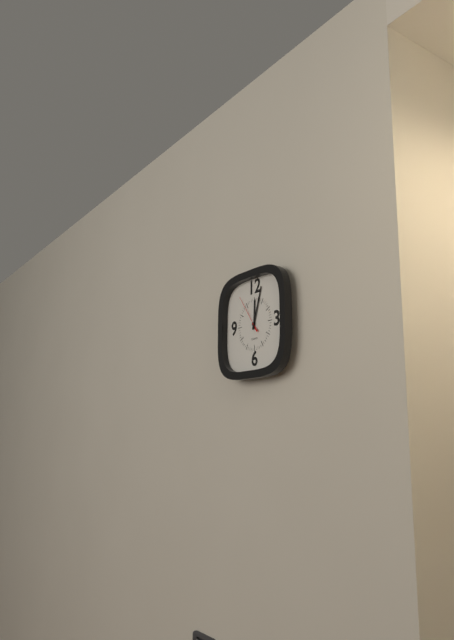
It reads {"hour": 12, "minute": 3}
